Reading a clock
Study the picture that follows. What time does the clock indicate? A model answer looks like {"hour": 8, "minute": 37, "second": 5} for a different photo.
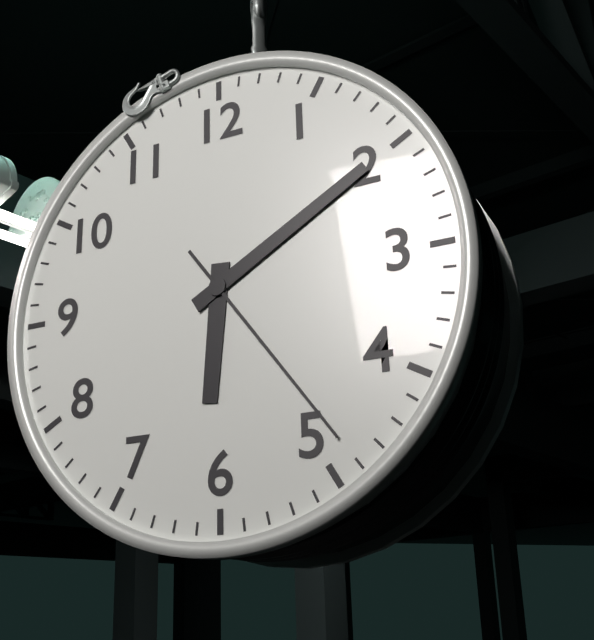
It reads {"hour": 6, "minute": 10, "second": 24}
